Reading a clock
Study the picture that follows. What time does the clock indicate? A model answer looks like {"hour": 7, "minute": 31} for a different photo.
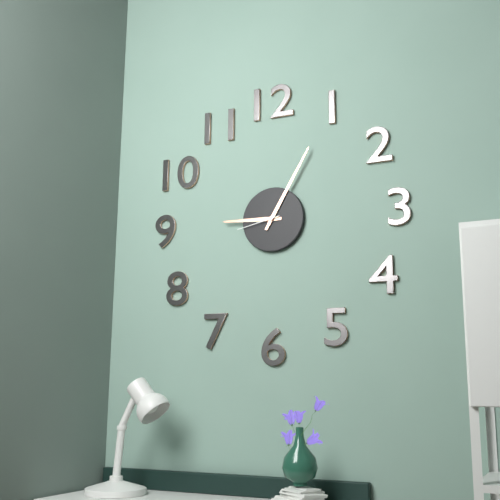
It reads {"hour": 9, "minute": 5}
